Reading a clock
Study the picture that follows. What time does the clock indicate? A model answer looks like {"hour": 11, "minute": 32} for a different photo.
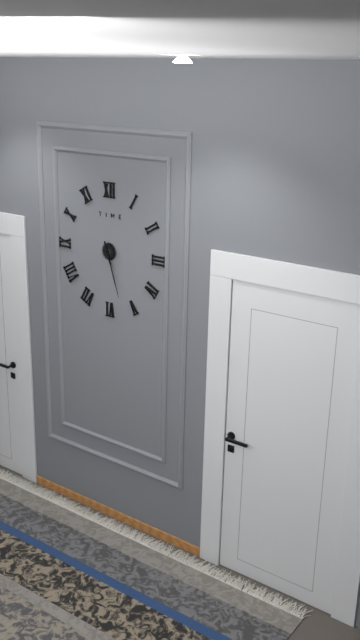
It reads {"hour": 5, "minute": 27}
